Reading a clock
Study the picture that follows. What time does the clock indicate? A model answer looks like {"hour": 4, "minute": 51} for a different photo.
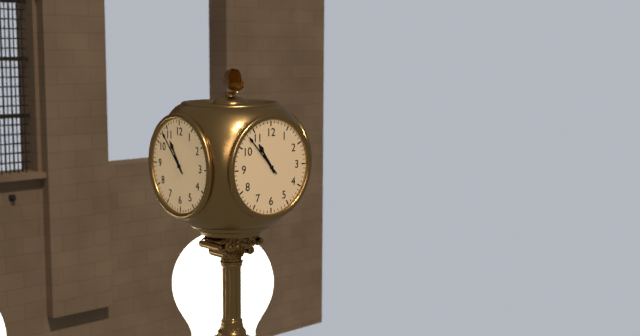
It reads {"hour": 10, "minute": 53}
